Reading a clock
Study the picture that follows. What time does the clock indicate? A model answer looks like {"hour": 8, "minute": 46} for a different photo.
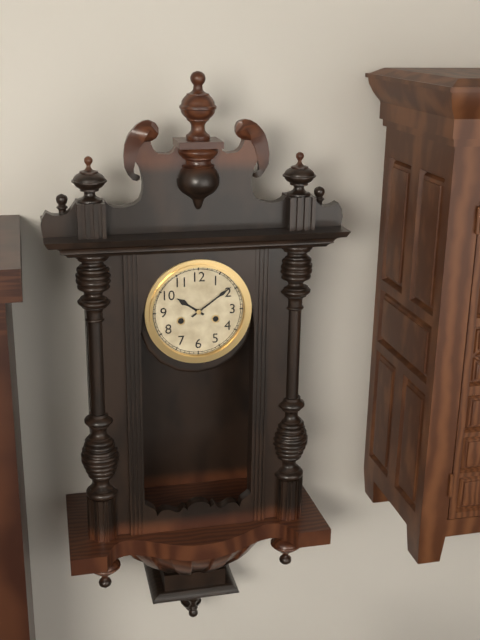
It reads {"hour": 10, "minute": 9}
